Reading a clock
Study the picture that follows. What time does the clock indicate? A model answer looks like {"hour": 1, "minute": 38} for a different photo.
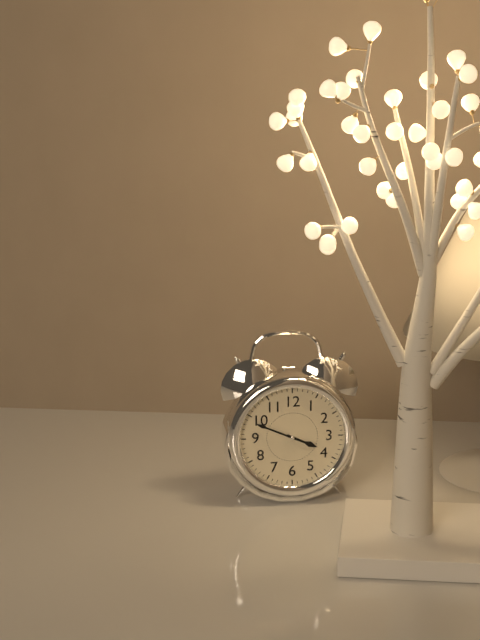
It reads {"hour": 3, "minute": 49}
